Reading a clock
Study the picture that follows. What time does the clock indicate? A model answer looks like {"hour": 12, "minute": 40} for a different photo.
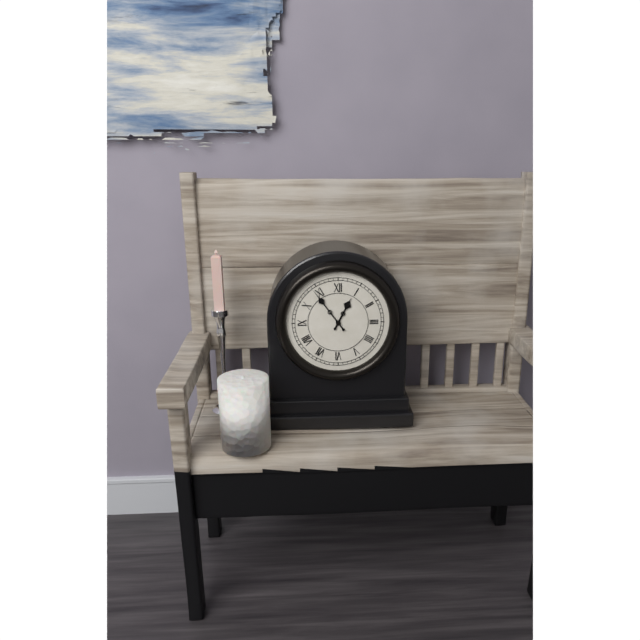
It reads {"hour": 12, "minute": 54}
